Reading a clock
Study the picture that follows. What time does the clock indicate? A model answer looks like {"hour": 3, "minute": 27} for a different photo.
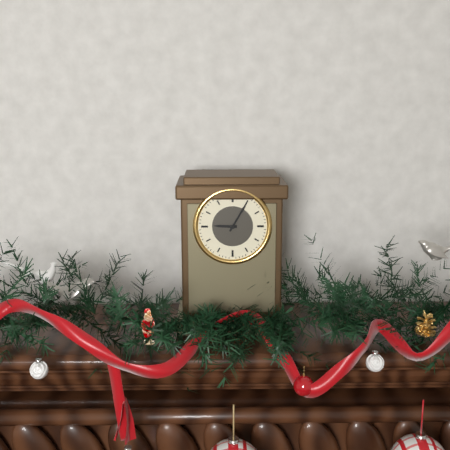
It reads {"hour": 9, "minute": 5}
